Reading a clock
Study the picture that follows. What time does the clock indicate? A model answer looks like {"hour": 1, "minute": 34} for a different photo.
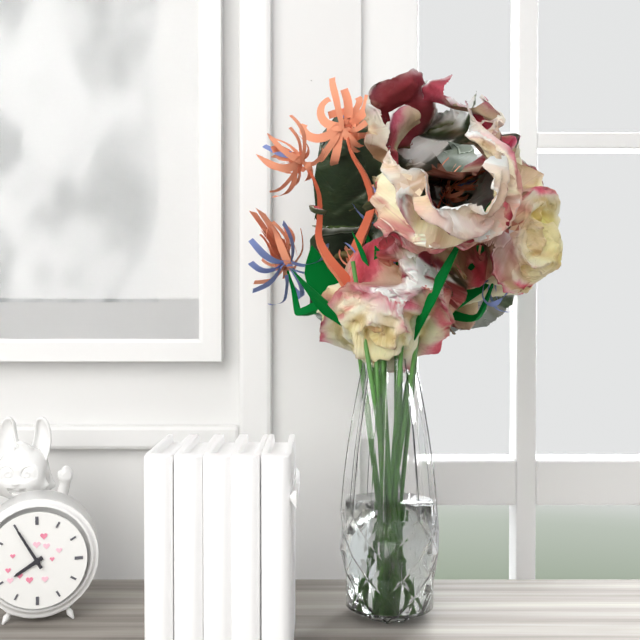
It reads {"hour": 7, "minute": 55}
